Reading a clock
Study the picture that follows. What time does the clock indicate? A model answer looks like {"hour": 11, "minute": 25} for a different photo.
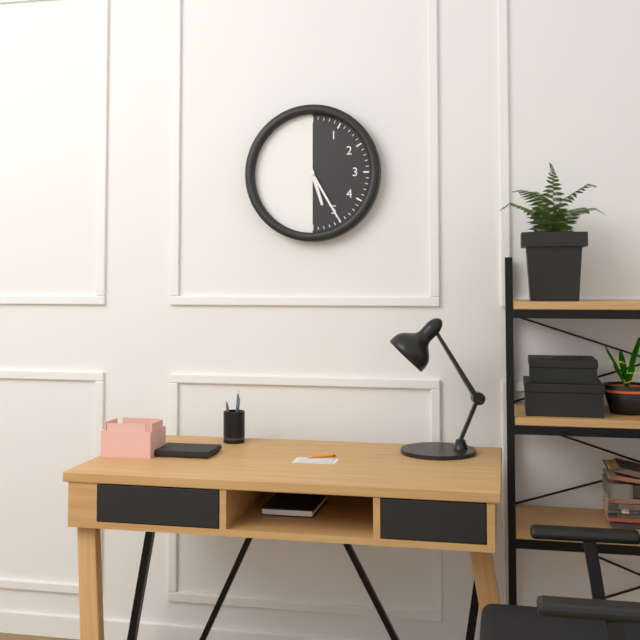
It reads {"hour": 5, "minute": 25}
